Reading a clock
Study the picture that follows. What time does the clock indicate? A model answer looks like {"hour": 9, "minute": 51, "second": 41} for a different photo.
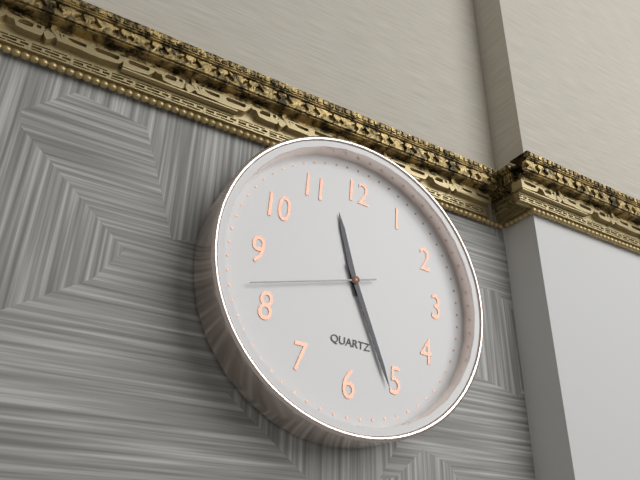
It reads {"hour": 11, "minute": 26, "second": 42}
